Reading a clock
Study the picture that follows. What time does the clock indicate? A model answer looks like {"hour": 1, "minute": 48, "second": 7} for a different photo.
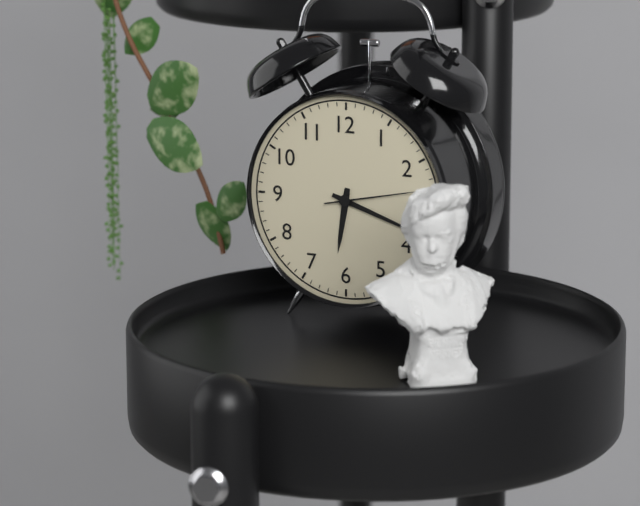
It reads {"hour": 6, "minute": 18, "second": 13}
